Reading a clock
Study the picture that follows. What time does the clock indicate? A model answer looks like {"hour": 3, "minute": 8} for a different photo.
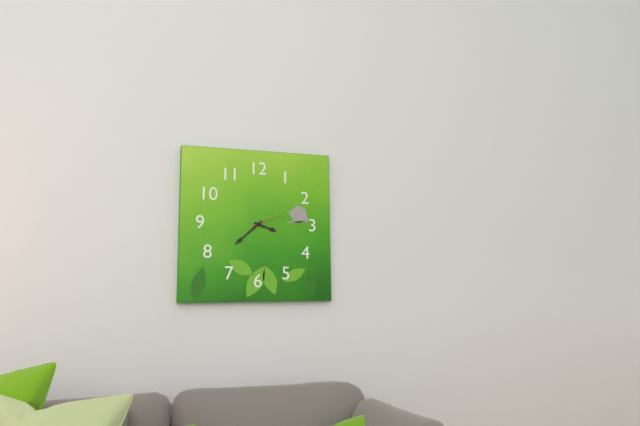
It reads {"hour": 3, "minute": 38}
